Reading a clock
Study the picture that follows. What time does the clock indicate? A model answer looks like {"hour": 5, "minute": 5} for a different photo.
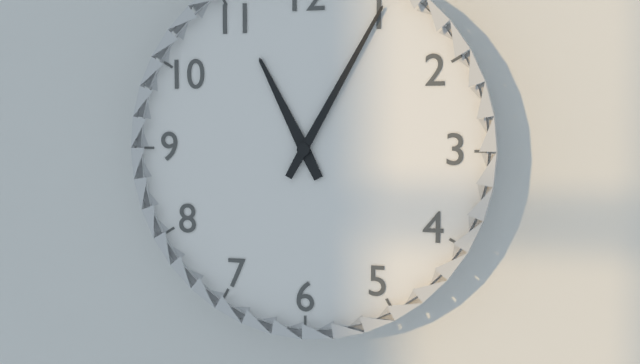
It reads {"hour": 11, "minute": 5}
